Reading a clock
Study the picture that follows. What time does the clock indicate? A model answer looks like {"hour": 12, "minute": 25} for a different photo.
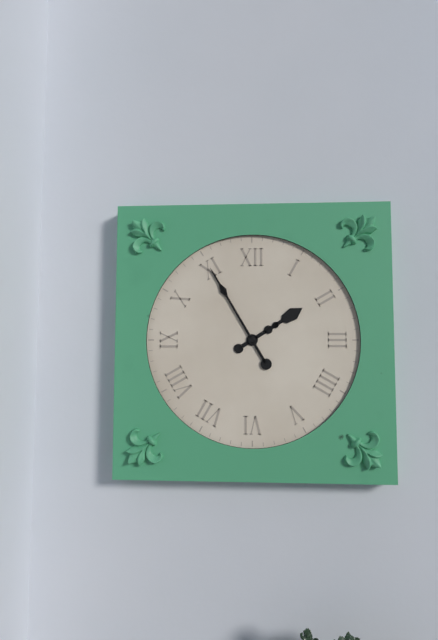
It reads {"hour": 1, "minute": 55}
